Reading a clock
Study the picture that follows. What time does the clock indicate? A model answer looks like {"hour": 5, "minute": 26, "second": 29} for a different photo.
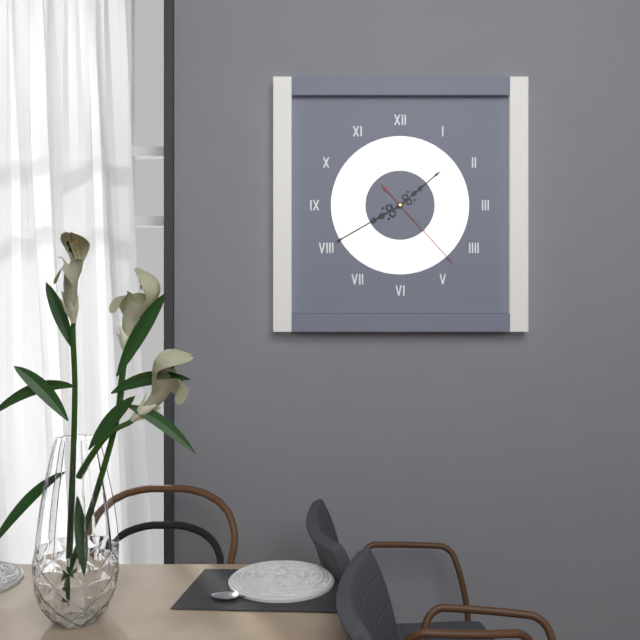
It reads {"hour": 1, "minute": 40, "second": 23}
